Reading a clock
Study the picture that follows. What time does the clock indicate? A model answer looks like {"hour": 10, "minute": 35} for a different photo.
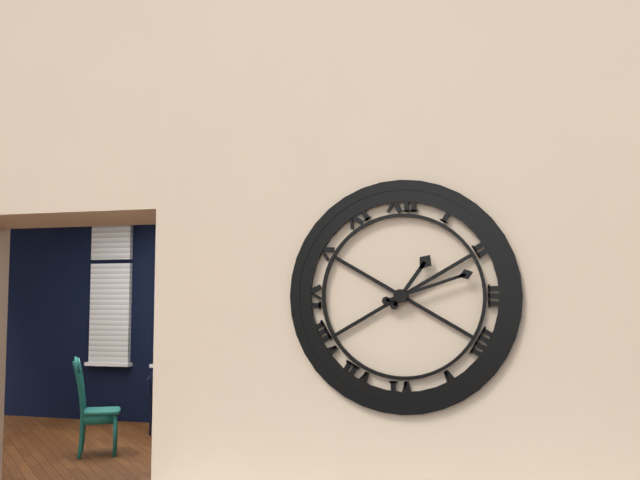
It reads {"hour": 1, "minute": 12}
